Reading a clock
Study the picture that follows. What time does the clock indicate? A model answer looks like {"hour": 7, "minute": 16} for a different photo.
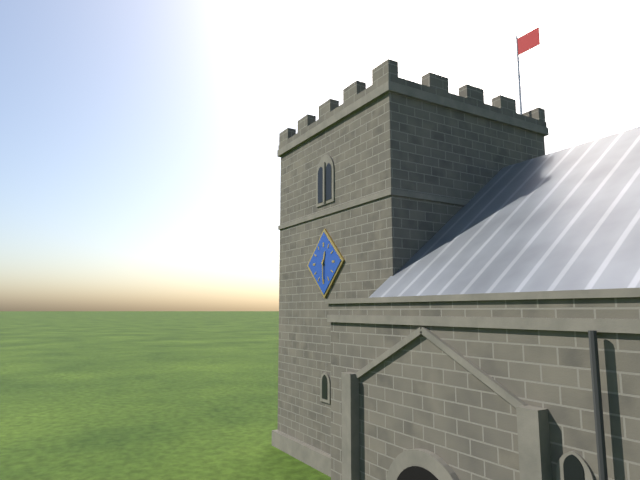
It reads {"hour": 12, "minute": 30}
